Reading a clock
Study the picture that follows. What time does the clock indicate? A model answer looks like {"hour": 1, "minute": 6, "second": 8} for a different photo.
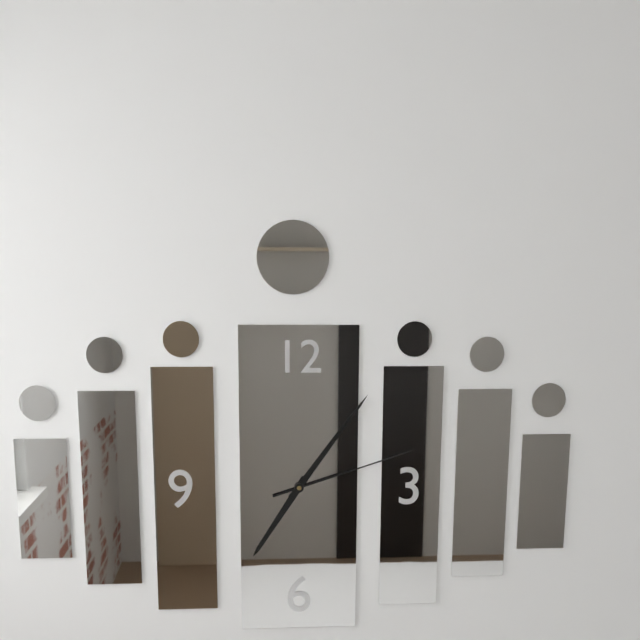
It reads {"hour": 7, "minute": 6, "second": 12}
